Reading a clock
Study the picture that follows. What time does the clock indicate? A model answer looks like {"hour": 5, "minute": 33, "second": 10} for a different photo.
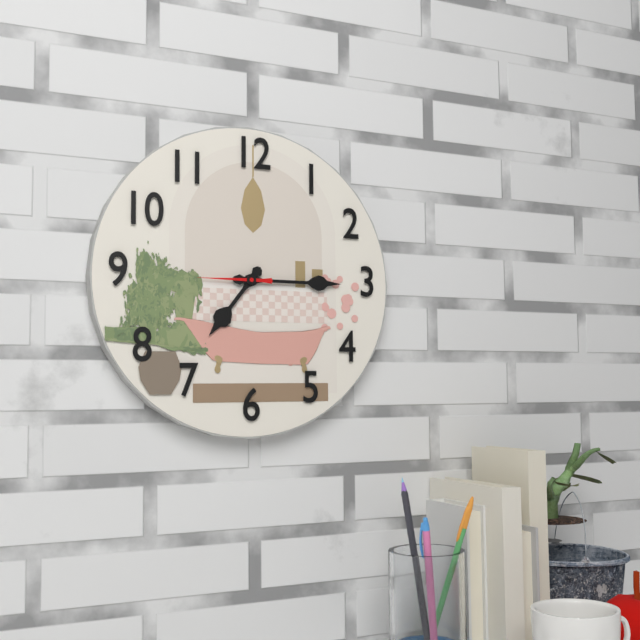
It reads {"hour": 7, "minute": 15, "second": 45}
